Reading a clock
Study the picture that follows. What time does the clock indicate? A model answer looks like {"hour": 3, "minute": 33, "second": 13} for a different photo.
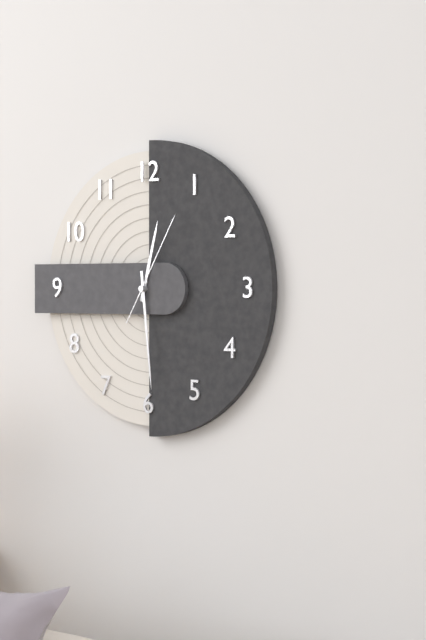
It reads {"hour": 12, "minute": 29, "second": 5}
